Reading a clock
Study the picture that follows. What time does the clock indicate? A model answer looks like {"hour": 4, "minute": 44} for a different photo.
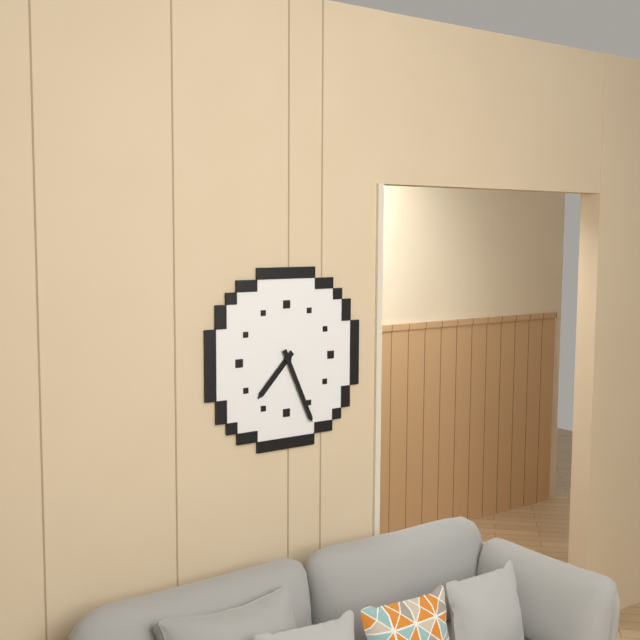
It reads {"hour": 7, "minute": 26}
